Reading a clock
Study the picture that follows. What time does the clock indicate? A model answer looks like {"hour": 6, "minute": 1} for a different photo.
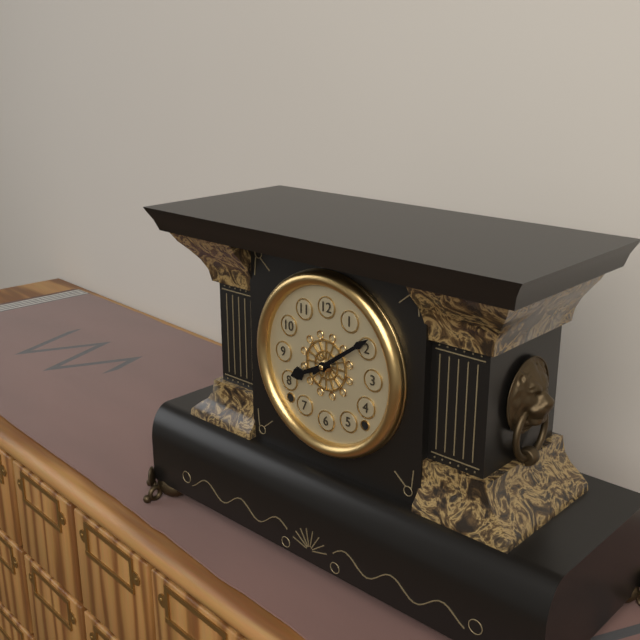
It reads {"hour": 8, "minute": 9}
